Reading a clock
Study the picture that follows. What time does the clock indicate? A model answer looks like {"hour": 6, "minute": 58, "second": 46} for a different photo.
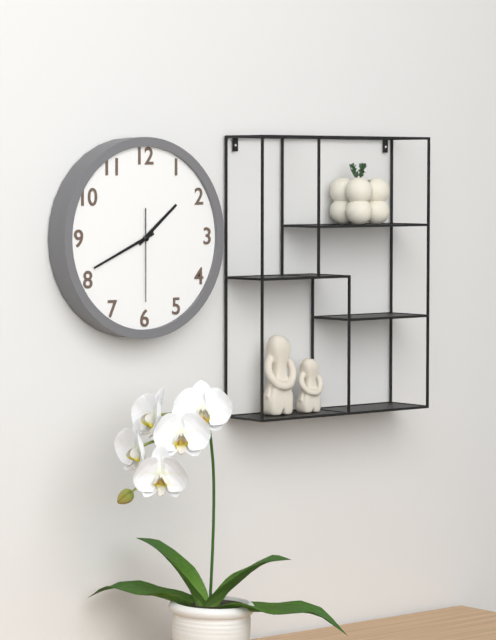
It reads {"hour": 1, "minute": 41, "second": 30}
